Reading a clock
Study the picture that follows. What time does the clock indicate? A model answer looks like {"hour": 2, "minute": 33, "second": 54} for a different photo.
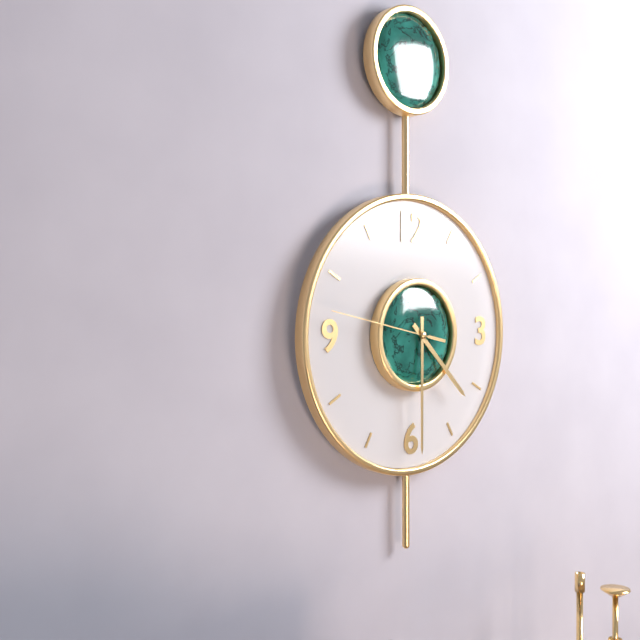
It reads {"hour": 4, "minute": 30, "second": 47}
